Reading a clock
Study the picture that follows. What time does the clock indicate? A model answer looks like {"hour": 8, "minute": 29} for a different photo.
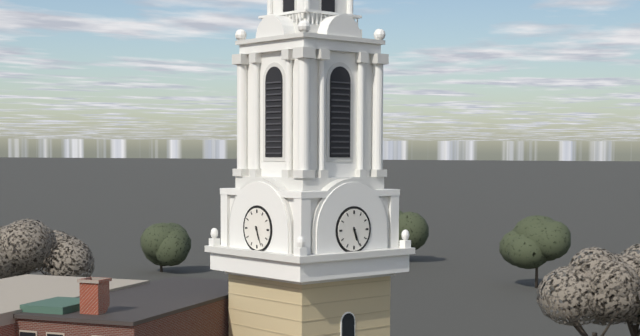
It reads {"hour": 5, "minute": 26}
